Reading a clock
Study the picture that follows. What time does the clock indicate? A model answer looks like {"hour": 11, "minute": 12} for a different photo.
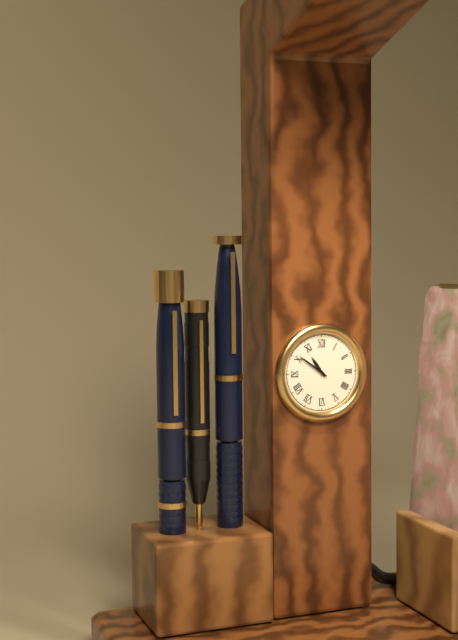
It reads {"hour": 10, "minute": 51}
